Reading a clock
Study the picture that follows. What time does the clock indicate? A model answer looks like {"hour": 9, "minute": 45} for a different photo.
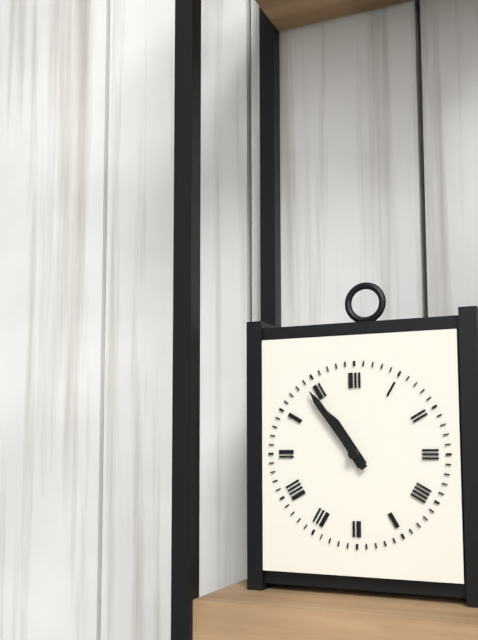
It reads {"hour": 10, "minute": 54}
